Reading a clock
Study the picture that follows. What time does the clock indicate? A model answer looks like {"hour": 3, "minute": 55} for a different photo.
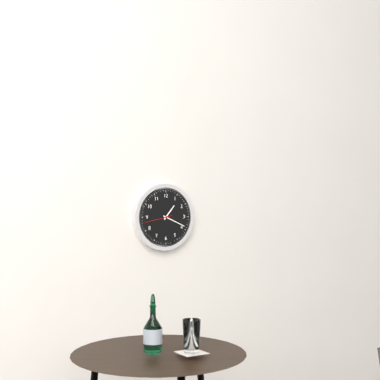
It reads {"hour": 1, "minute": 19}
